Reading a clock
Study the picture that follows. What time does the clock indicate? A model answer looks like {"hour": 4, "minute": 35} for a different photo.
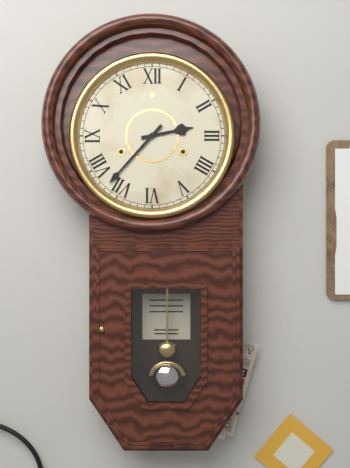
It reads {"hour": 2, "minute": 37}
